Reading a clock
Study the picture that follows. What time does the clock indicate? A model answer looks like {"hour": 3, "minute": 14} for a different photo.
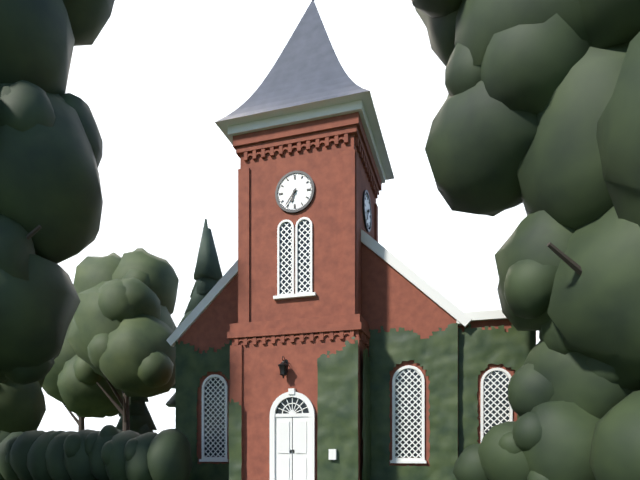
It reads {"hour": 6, "minute": 36}
